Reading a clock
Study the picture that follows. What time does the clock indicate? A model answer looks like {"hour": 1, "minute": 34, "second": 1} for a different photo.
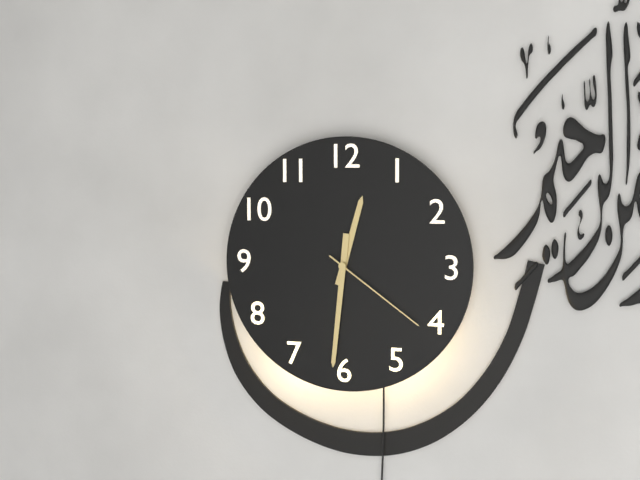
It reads {"hour": 12, "minute": 31, "second": 21}
